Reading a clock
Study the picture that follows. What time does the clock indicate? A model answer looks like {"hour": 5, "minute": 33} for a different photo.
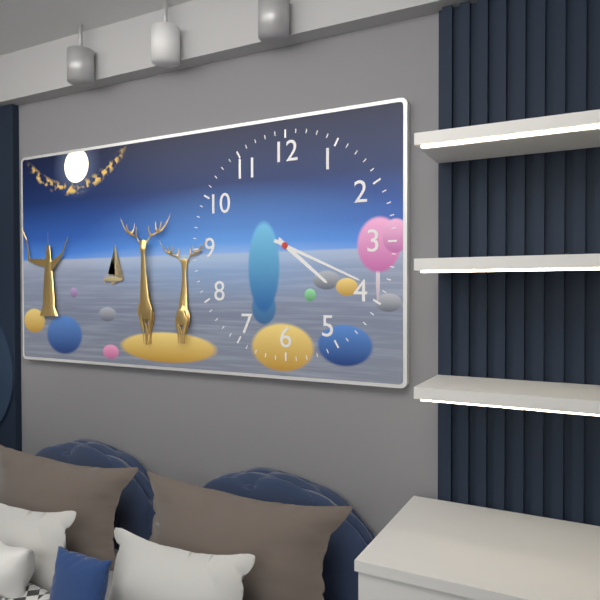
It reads {"hour": 4, "minute": 19}
